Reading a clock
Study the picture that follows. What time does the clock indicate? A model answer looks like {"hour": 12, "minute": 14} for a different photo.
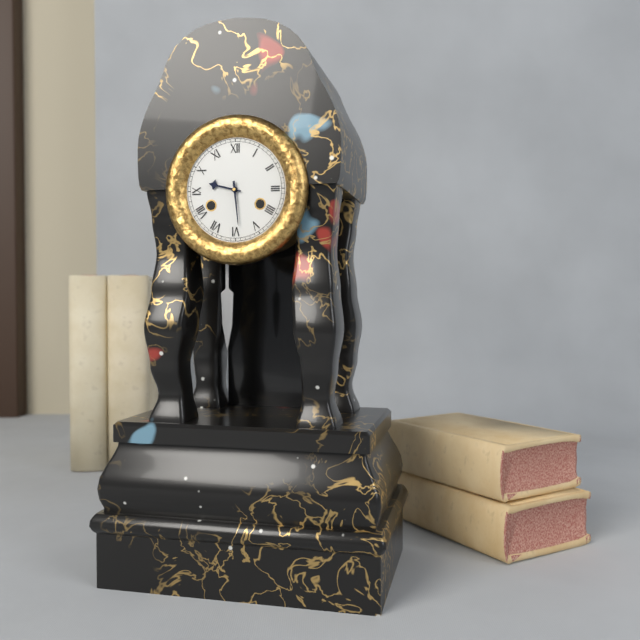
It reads {"hour": 9, "minute": 29}
